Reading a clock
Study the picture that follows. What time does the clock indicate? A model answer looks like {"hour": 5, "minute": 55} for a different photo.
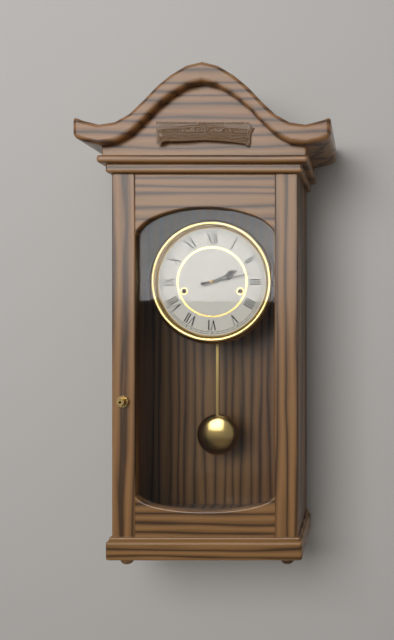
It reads {"hour": 2, "minute": 13}
